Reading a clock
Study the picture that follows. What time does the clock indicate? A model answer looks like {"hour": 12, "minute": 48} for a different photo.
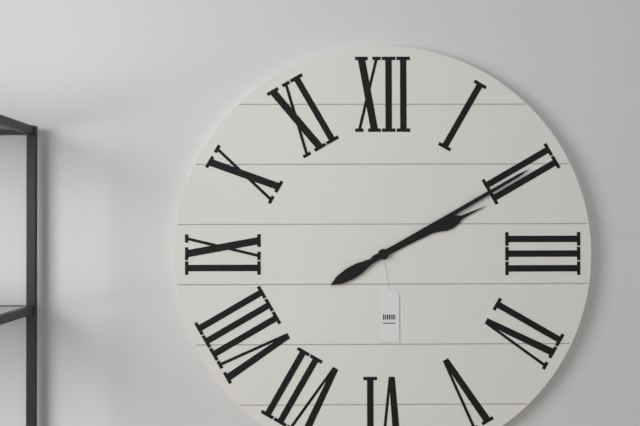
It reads {"hour": 2, "minute": 10}
